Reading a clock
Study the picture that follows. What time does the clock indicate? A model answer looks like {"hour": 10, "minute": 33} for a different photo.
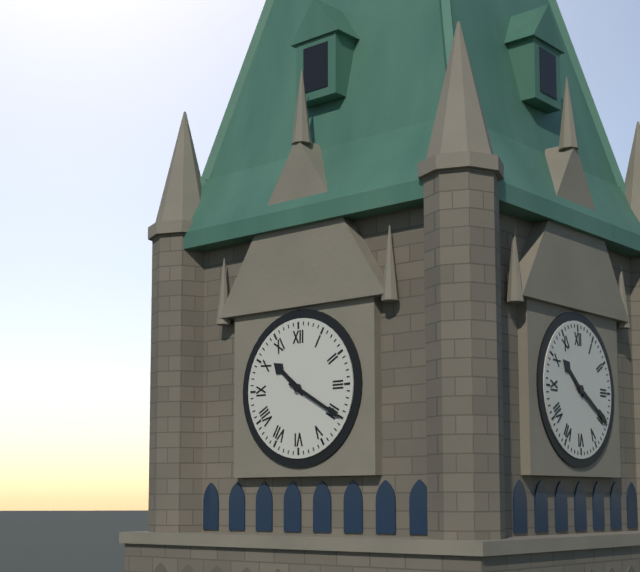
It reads {"hour": 10, "minute": 20}
